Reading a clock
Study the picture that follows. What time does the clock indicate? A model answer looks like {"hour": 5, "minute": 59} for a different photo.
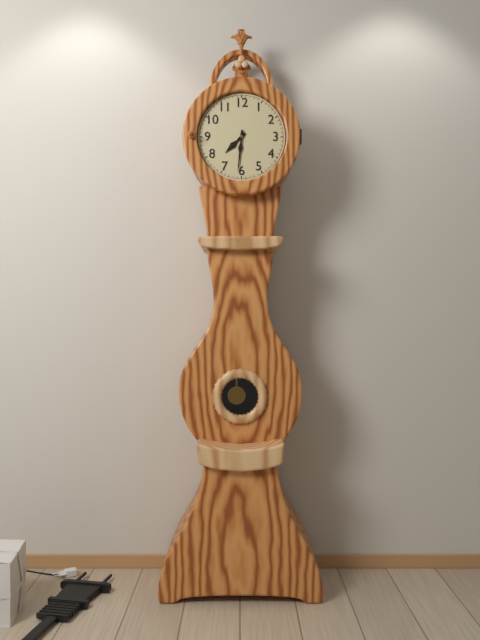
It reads {"hour": 7, "minute": 31}
